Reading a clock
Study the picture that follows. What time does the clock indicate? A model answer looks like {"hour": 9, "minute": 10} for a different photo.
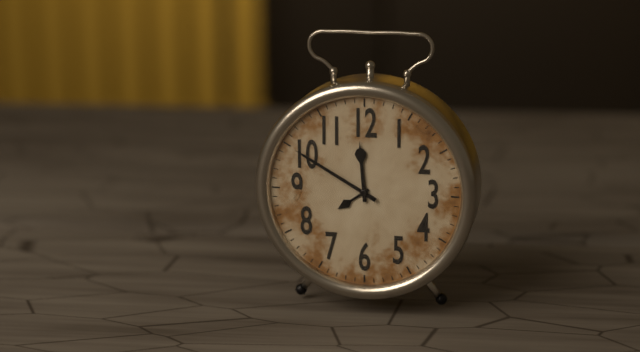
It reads {"hour": 11, "minute": 50}
